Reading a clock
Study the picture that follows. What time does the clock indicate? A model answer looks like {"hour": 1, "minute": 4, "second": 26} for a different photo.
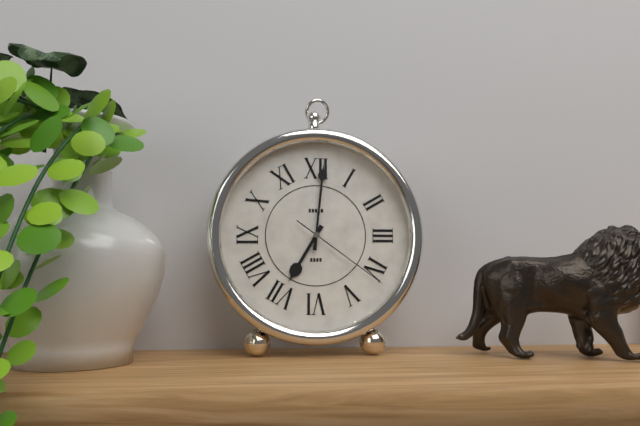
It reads {"hour": 7, "minute": 1, "second": 21}
